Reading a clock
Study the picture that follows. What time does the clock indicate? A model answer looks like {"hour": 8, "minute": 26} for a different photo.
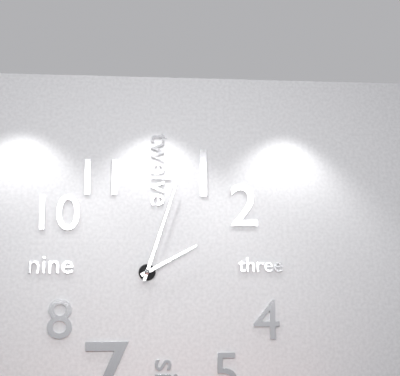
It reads {"hour": 2, "minute": 3}
